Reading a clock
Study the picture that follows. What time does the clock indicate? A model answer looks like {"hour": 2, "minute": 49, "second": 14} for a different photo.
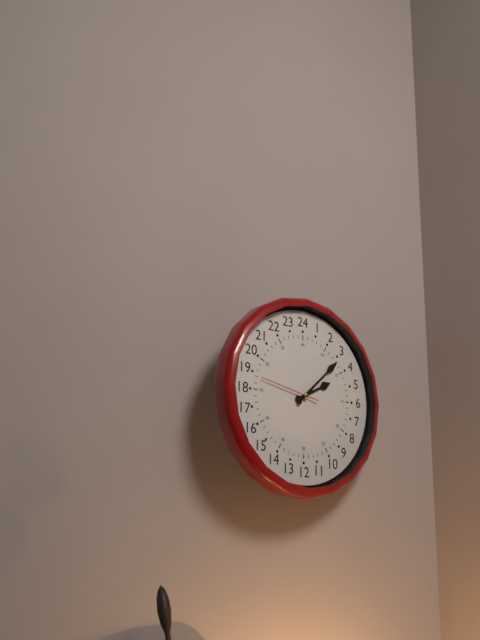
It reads {"hour": 2, "minute": 8, "second": 47}
